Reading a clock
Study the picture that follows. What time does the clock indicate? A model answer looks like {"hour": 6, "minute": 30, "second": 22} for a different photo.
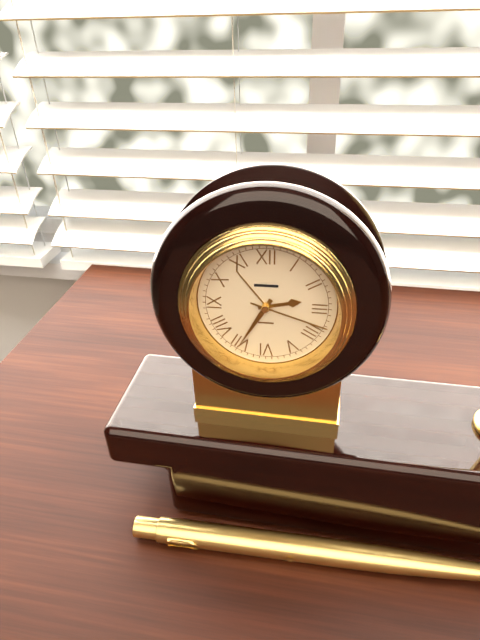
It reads {"hour": 2, "minute": 35, "second": 18}
